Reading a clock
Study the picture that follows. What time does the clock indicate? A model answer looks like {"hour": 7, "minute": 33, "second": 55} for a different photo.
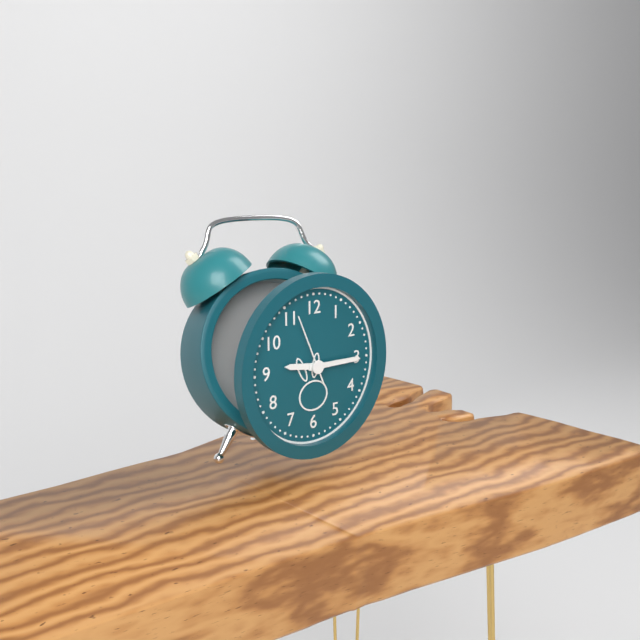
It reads {"hour": 9, "minute": 15, "second": 56}
